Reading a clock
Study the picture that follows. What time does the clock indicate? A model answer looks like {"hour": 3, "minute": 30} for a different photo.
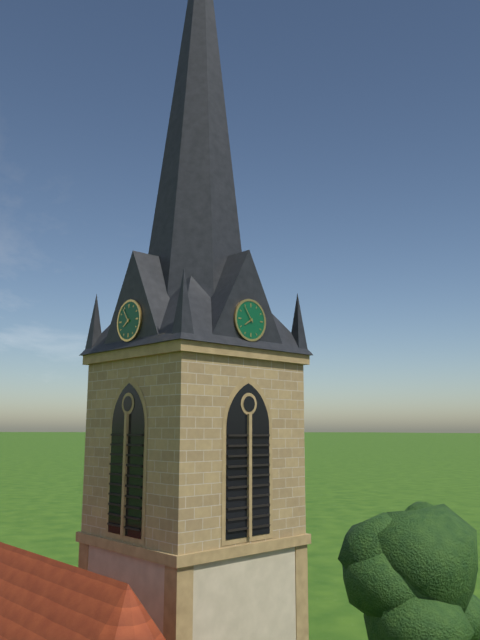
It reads {"hour": 7, "minute": 54}
